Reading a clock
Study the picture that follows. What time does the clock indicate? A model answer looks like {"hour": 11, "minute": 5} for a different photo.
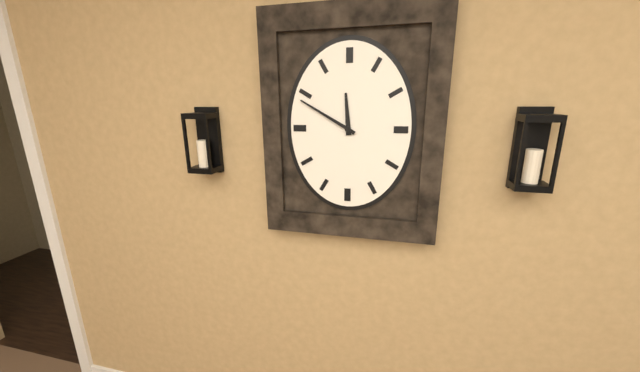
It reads {"hour": 11, "minute": 50}
